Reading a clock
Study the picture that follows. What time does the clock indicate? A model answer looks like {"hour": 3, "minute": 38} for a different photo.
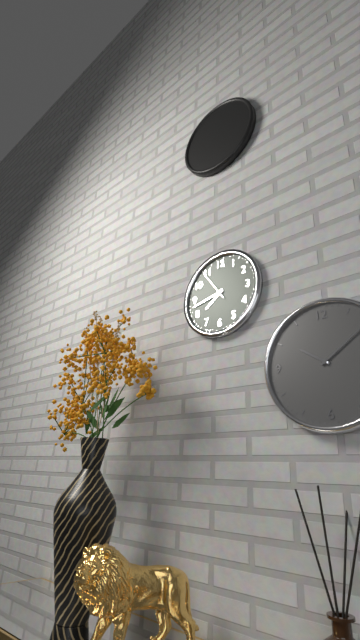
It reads {"hour": 7, "minute": 43}
